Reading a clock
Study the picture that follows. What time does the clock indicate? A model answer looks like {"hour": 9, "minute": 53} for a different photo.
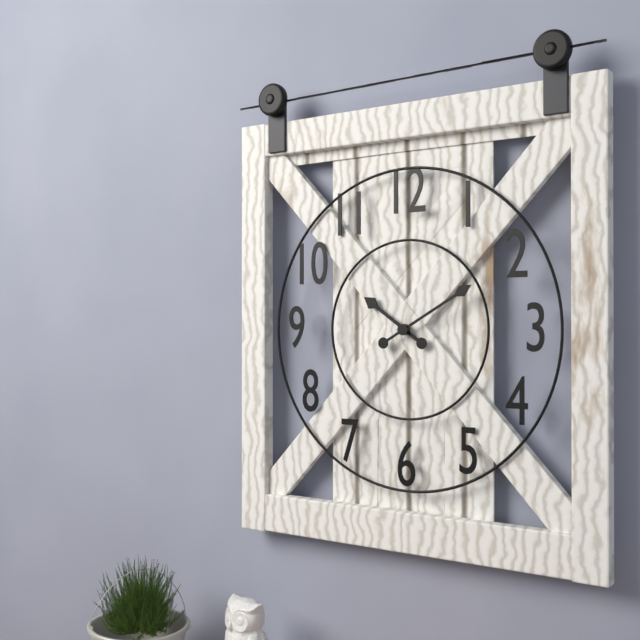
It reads {"hour": 10, "minute": 10}
